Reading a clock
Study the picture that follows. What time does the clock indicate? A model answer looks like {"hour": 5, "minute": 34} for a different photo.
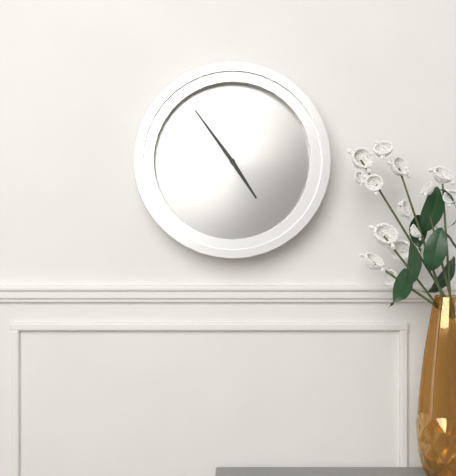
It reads {"hour": 4, "minute": 54}
